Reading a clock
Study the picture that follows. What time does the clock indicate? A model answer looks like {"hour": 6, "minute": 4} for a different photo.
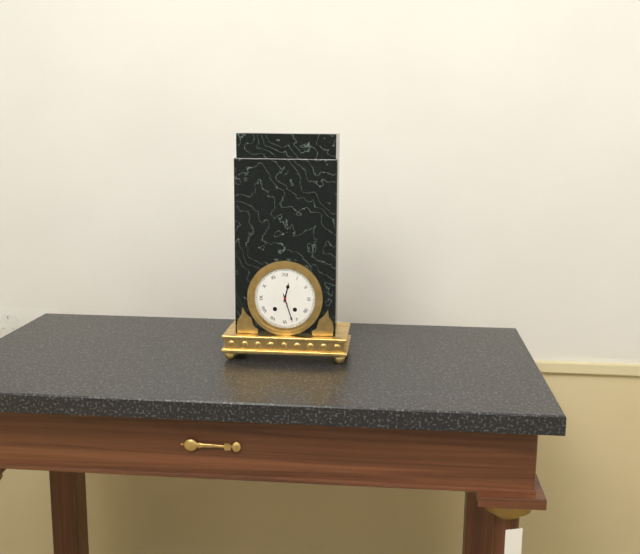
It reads {"hour": 12, "minute": 27}
